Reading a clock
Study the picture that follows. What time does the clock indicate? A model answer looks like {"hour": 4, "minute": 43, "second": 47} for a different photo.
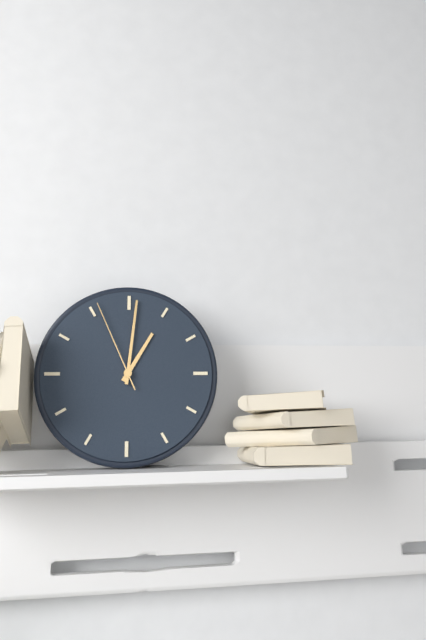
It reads {"hour": 1, "minute": 1, "second": 56}
